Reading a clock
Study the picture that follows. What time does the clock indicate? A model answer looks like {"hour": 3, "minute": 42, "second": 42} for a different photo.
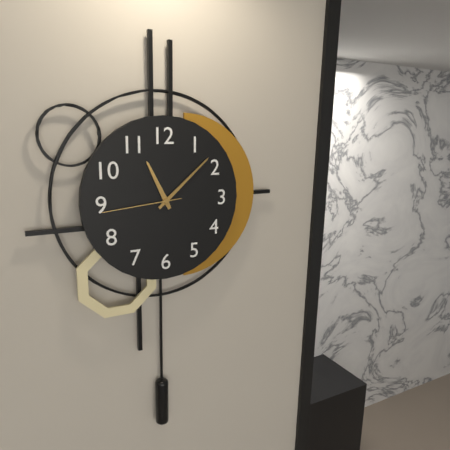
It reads {"hour": 11, "minute": 8, "second": 44}
